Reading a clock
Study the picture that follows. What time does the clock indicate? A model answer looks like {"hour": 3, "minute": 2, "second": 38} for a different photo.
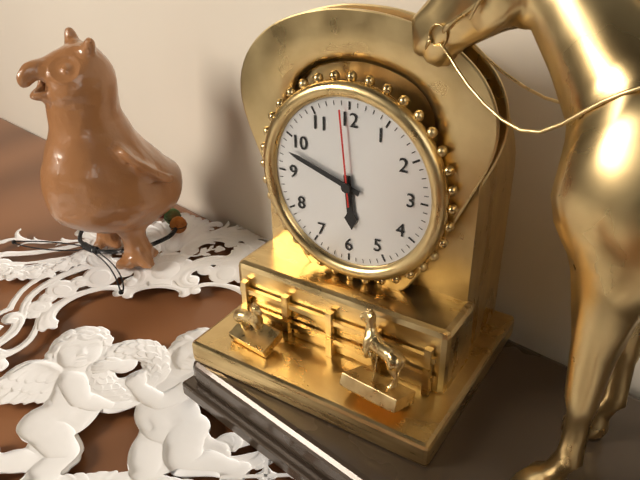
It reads {"hour": 5, "minute": 48, "second": 59}
